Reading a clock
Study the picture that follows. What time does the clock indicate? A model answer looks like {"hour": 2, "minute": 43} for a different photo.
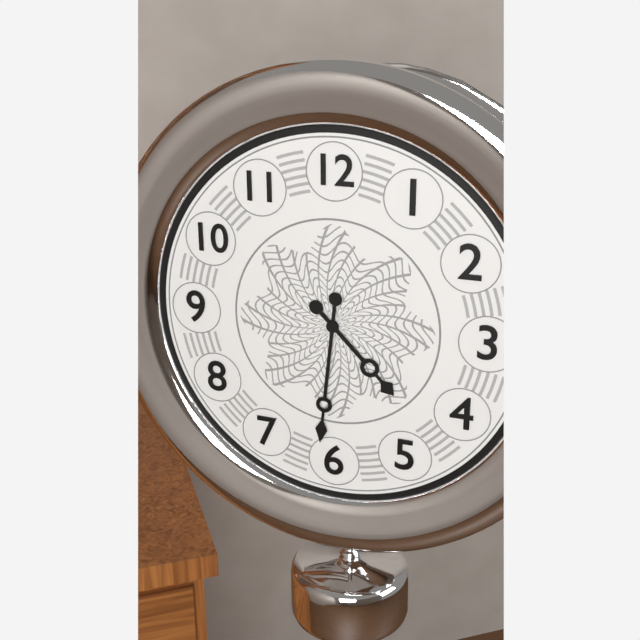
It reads {"hour": 4, "minute": 31}
